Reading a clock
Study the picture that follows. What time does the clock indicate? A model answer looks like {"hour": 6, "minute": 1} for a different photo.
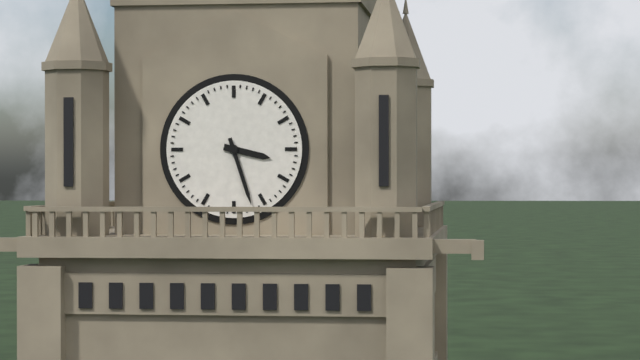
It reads {"hour": 3, "minute": 27}
